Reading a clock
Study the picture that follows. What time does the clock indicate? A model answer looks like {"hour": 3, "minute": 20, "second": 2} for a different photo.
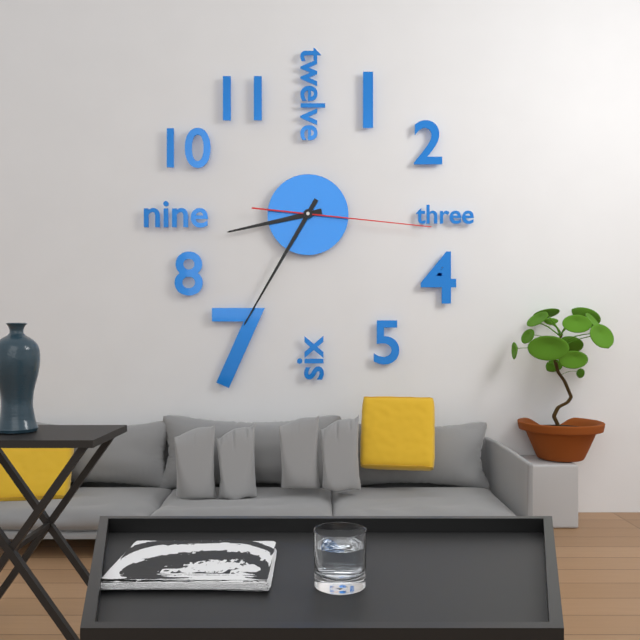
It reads {"hour": 8, "minute": 35, "second": 16}
